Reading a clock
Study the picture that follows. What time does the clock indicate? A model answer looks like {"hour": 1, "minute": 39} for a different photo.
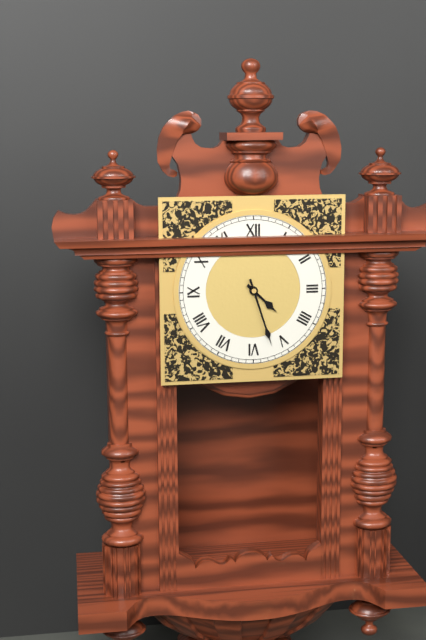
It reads {"hour": 4, "minute": 27}
